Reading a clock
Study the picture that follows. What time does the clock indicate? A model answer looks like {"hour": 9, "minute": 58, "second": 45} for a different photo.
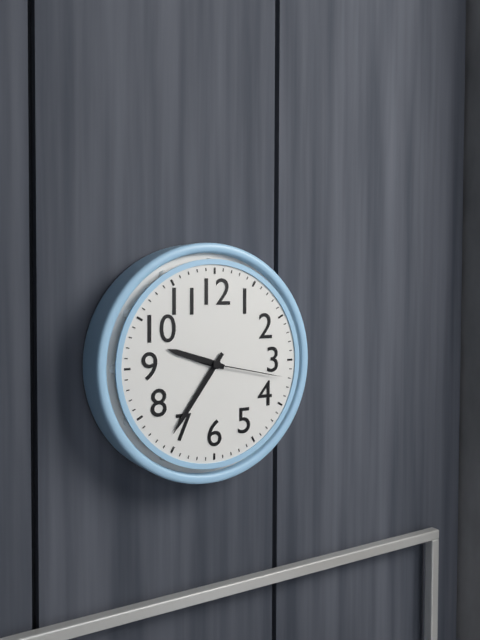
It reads {"hour": 9, "minute": 36, "second": 17}
